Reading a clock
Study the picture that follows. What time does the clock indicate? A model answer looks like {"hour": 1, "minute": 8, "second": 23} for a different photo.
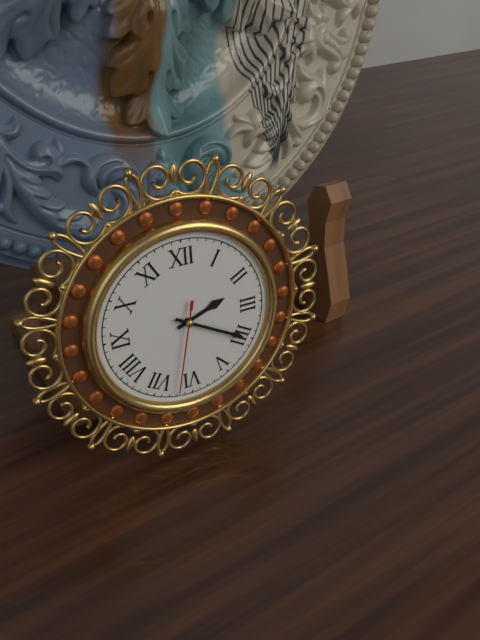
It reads {"hour": 2, "minute": 20, "second": 32}
